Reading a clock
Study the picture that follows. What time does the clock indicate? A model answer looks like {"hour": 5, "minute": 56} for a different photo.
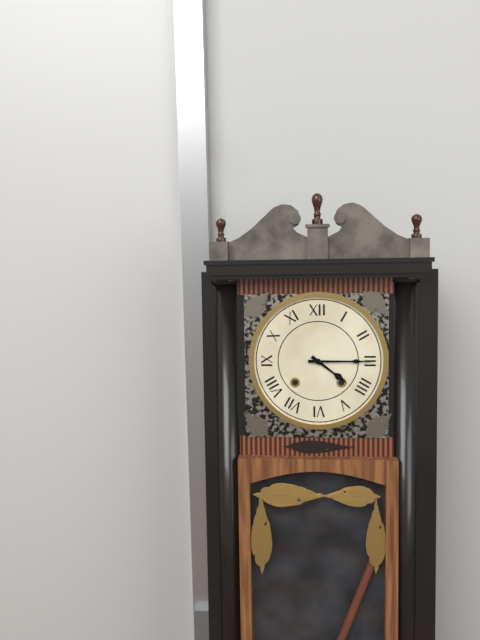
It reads {"hour": 4, "minute": 15}
